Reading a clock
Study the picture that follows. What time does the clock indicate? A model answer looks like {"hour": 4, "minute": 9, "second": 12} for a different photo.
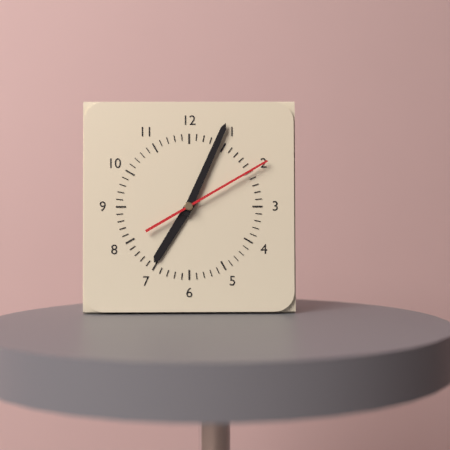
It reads {"hour": 7, "minute": 4, "second": 10}
